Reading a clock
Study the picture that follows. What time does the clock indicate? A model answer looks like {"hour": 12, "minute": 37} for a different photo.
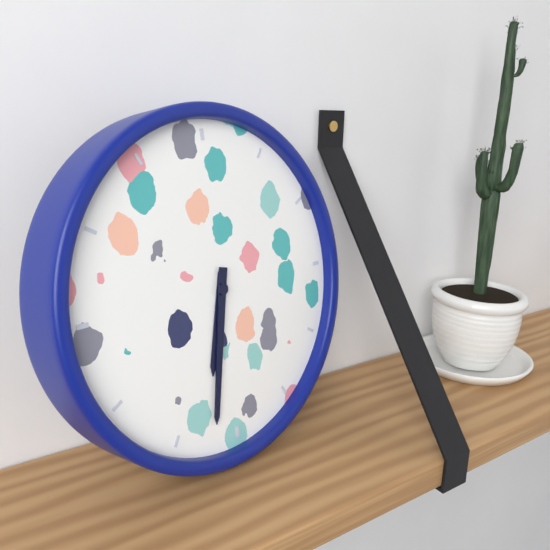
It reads {"hour": 6, "minute": 32}
